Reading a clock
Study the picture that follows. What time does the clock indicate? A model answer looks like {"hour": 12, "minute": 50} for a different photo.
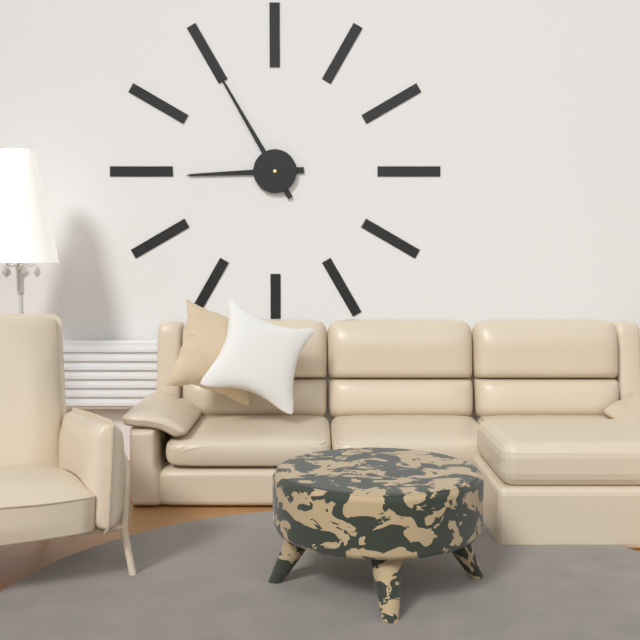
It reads {"hour": 8, "minute": 55}
